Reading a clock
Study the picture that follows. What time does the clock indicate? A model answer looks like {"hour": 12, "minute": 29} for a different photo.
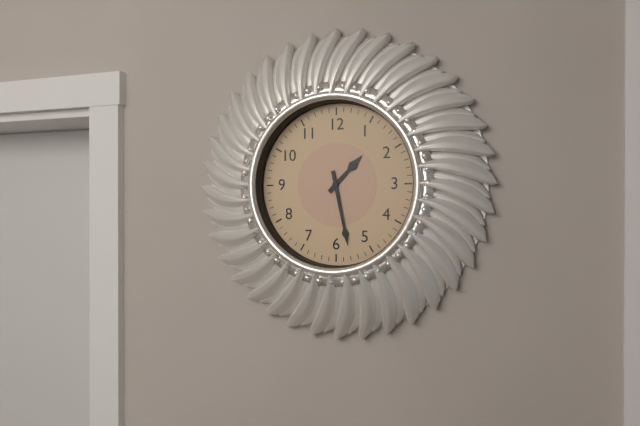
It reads {"hour": 1, "minute": 28}
